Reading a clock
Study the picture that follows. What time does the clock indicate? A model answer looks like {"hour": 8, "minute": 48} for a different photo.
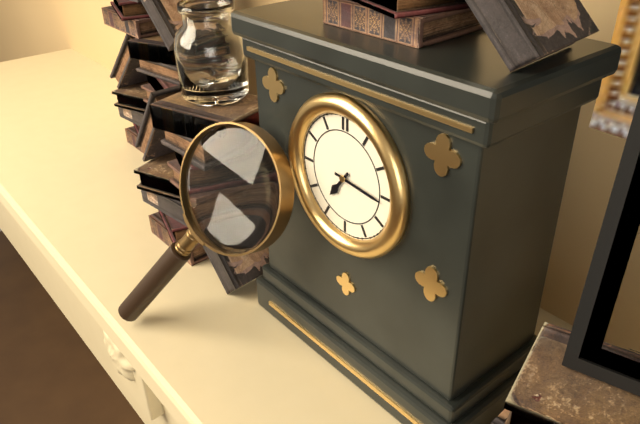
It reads {"hour": 7, "minute": 16}
